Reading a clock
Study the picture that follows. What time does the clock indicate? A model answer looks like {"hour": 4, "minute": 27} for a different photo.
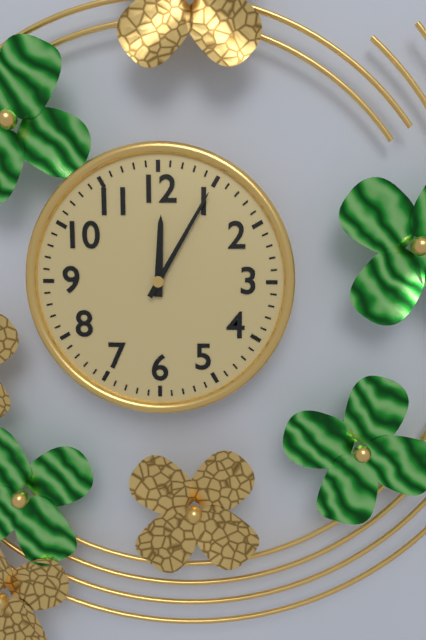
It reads {"hour": 12, "minute": 5}
